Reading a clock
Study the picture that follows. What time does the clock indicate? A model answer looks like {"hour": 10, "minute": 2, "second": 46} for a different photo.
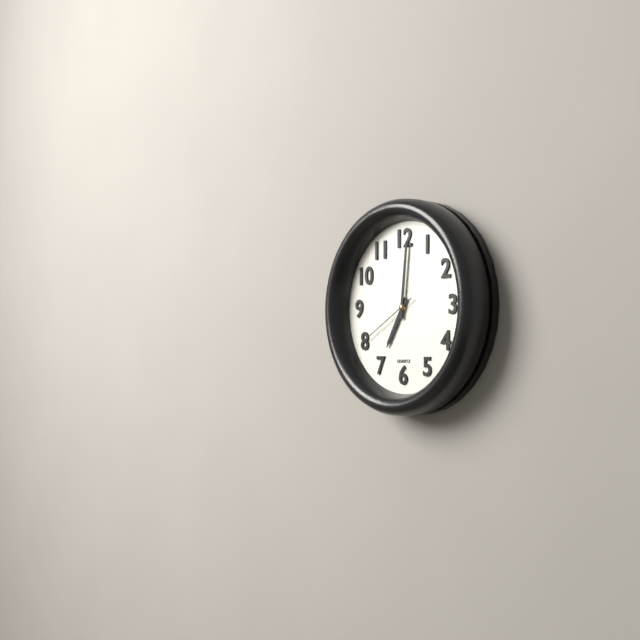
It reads {"hour": 7, "minute": 1, "second": 40}
